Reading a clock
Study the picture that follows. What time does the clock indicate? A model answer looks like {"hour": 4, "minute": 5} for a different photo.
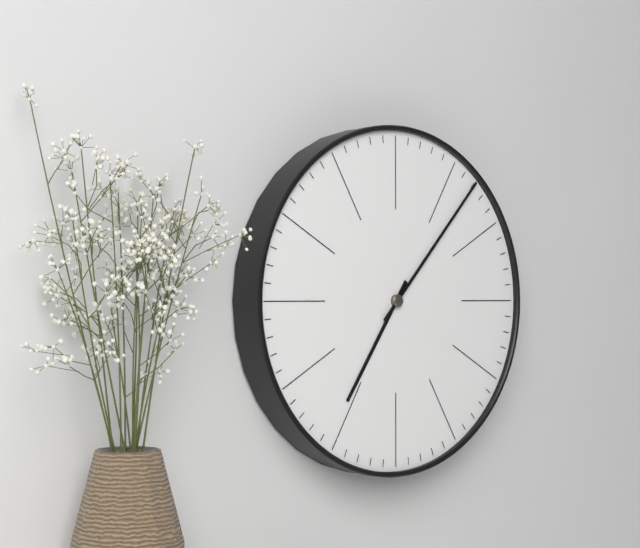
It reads {"hour": 7, "minute": 7}
